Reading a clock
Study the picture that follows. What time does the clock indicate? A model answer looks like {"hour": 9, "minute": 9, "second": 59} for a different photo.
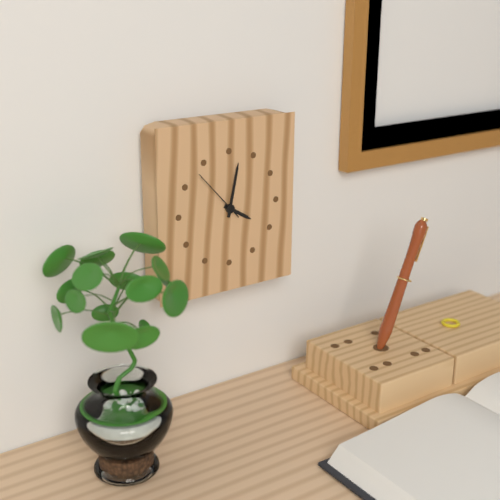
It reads {"hour": 4, "minute": 2, "second": 53}
